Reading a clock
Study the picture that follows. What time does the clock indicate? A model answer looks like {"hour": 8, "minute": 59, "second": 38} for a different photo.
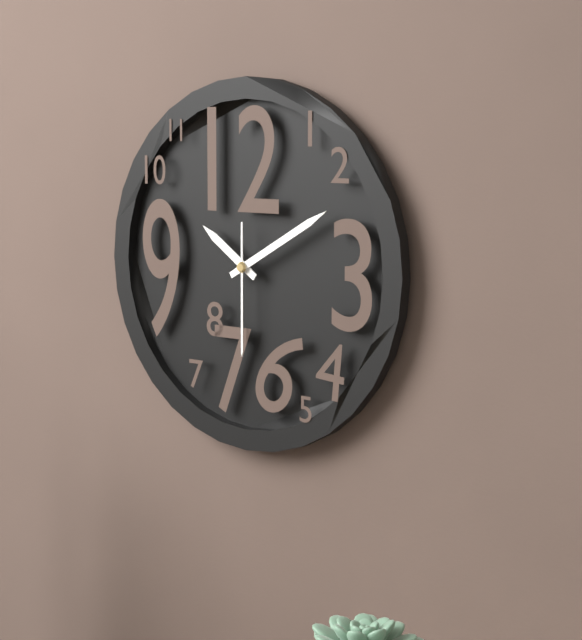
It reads {"hour": 10, "minute": 10, "second": 30}
